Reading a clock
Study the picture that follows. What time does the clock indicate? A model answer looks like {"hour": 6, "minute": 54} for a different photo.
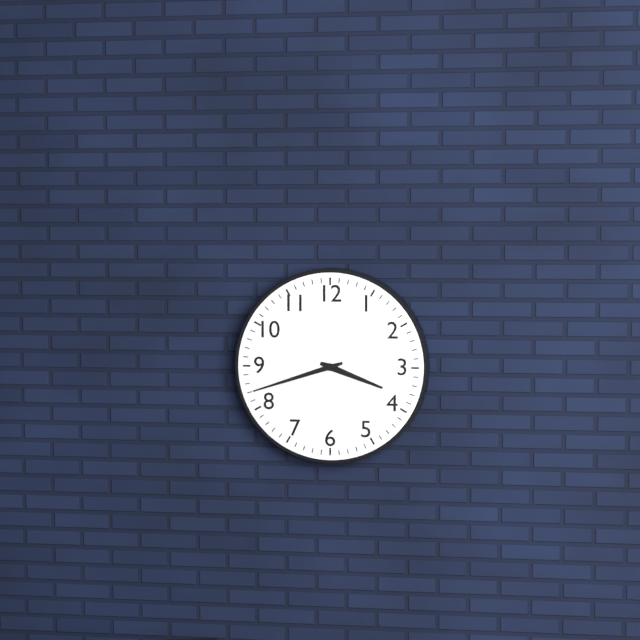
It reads {"hour": 3, "minute": 42}
